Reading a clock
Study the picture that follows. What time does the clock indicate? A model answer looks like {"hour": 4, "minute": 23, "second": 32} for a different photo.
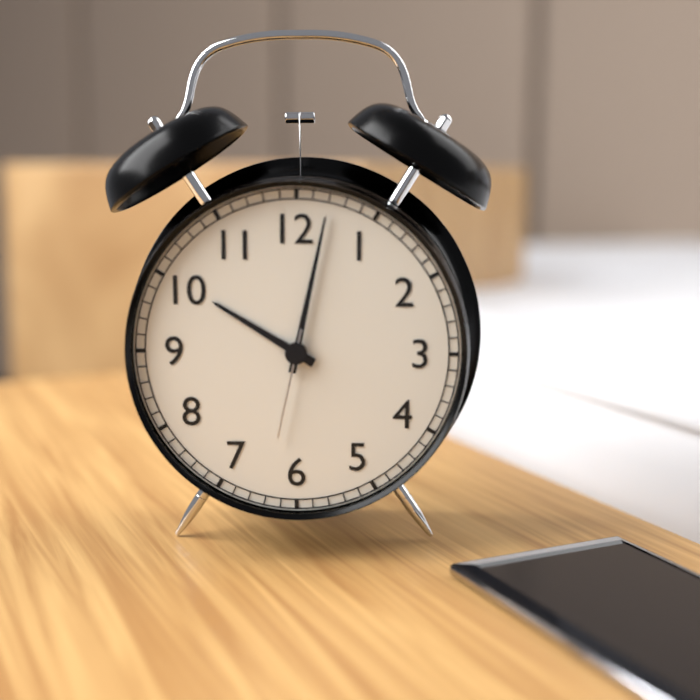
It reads {"hour": 10, "minute": 2, "second": 32}
